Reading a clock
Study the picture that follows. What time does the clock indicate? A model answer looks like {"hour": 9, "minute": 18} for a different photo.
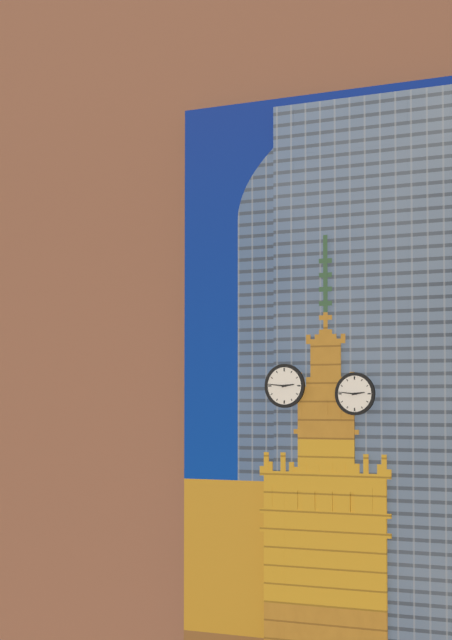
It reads {"hour": 2, "minute": 46}
